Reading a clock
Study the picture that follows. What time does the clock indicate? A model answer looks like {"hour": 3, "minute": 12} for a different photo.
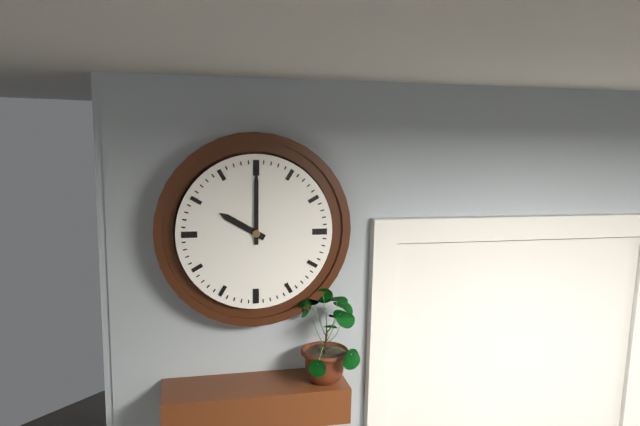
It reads {"hour": 10, "minute": 0}
